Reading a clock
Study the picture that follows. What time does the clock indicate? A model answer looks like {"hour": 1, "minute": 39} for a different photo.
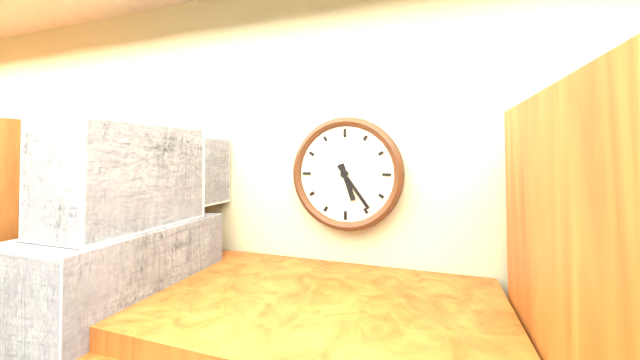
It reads {"hour": 5, "minute": 24}
